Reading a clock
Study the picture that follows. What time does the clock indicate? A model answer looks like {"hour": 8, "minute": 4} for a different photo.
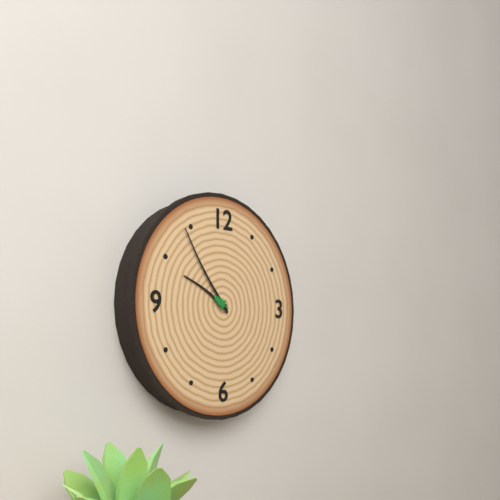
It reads {"hour": 9, "minute": 54}
